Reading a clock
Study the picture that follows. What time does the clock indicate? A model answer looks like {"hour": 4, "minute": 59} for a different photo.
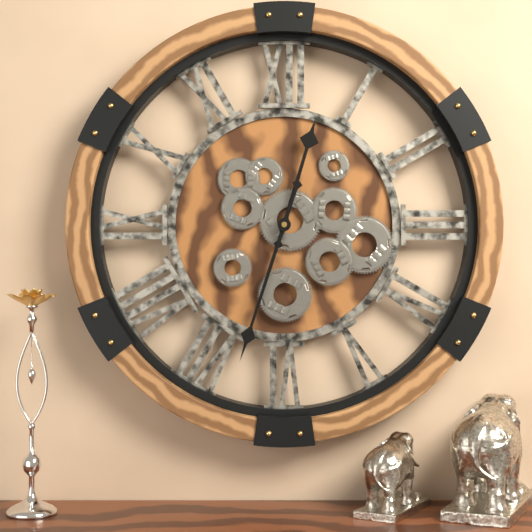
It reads {"hour": 12, "minute": 33}
